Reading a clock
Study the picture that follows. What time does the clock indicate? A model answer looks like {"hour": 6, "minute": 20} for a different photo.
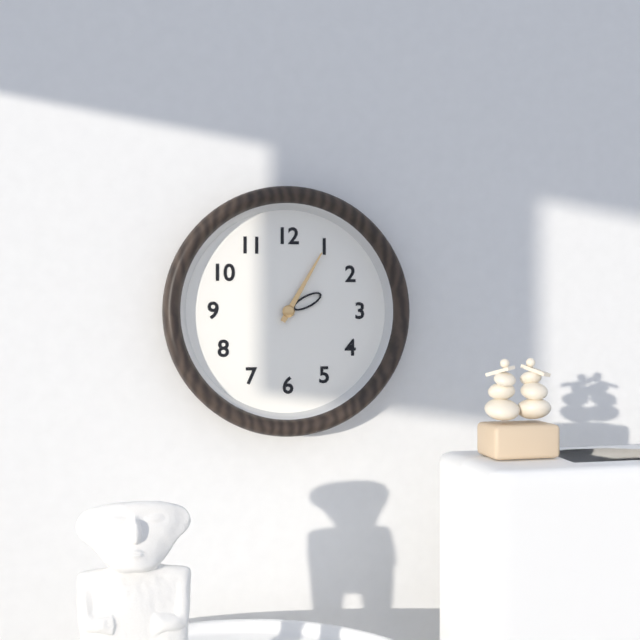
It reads {"hour": 2, "minute": 5}
